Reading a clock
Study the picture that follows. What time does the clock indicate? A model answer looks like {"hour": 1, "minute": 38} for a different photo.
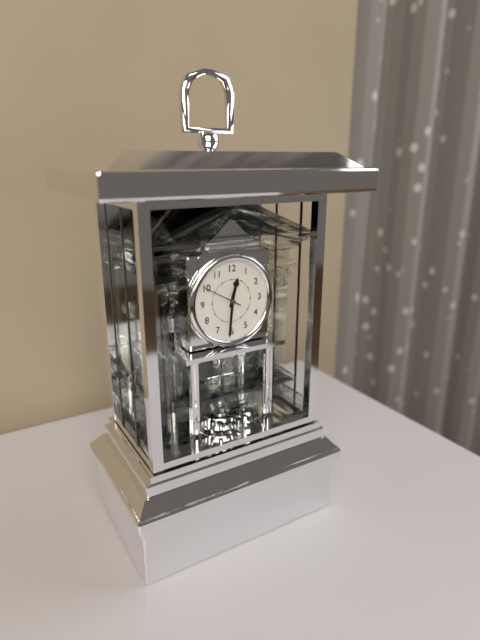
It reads {"hour": 12, "minute": 31}
